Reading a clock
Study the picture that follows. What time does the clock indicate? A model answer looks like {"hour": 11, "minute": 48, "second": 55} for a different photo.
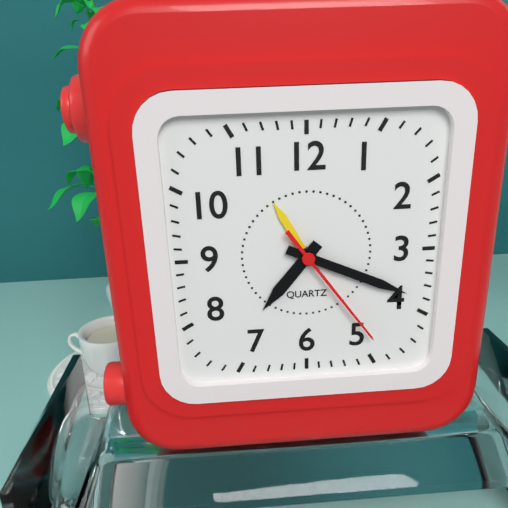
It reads {"hour": 7, "minute": 19, "second": 24}
